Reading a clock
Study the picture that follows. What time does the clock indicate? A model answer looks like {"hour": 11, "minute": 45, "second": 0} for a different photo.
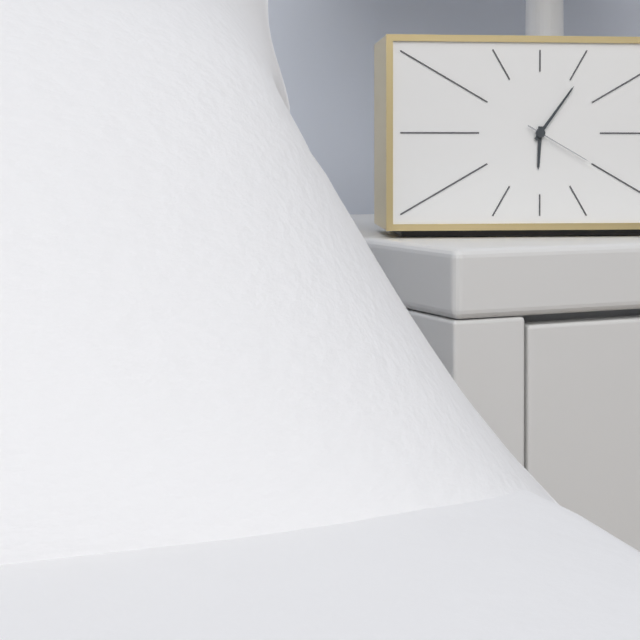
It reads {"hour": 6, "minute": 6, "second": 20}
